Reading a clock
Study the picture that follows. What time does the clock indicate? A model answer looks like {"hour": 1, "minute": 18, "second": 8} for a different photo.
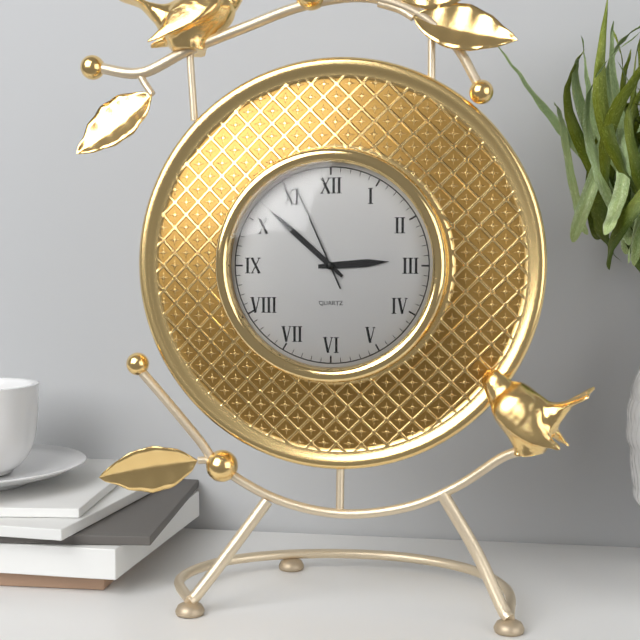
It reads {"hour": 2, "minute": 52, "second": 56}
